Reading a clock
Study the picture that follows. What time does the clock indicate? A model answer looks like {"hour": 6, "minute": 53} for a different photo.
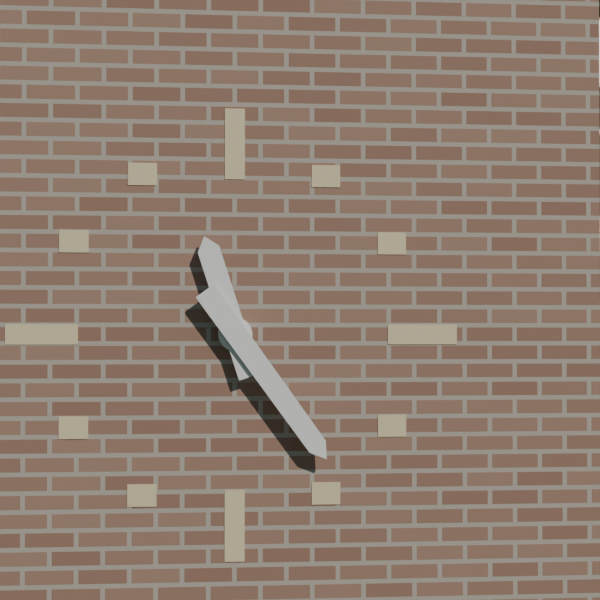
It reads {"hour": 11, "minute": 24}
